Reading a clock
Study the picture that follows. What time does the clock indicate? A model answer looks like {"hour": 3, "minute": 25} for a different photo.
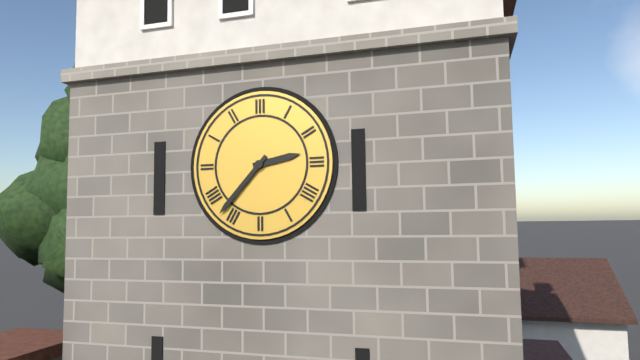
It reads {"hour": 2, "minute": 37}
